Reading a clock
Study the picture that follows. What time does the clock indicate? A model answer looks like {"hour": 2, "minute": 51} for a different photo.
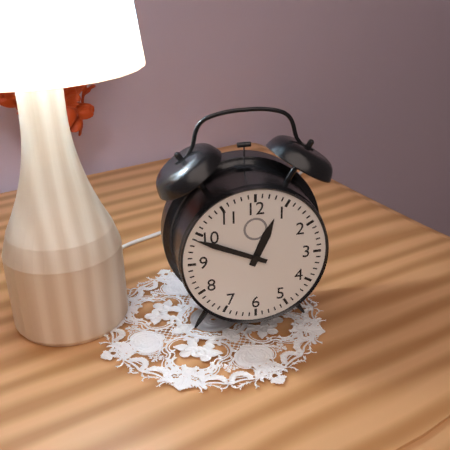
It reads {"hour": 12, "minute": 49}
